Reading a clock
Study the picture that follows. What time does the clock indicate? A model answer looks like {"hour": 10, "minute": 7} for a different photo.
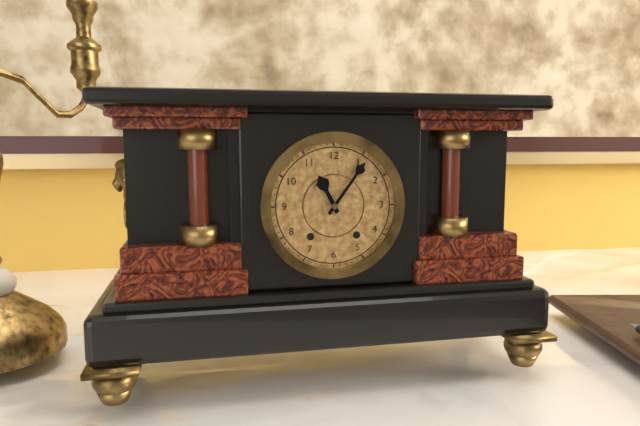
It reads {"hour": 11, "minute": 6}
